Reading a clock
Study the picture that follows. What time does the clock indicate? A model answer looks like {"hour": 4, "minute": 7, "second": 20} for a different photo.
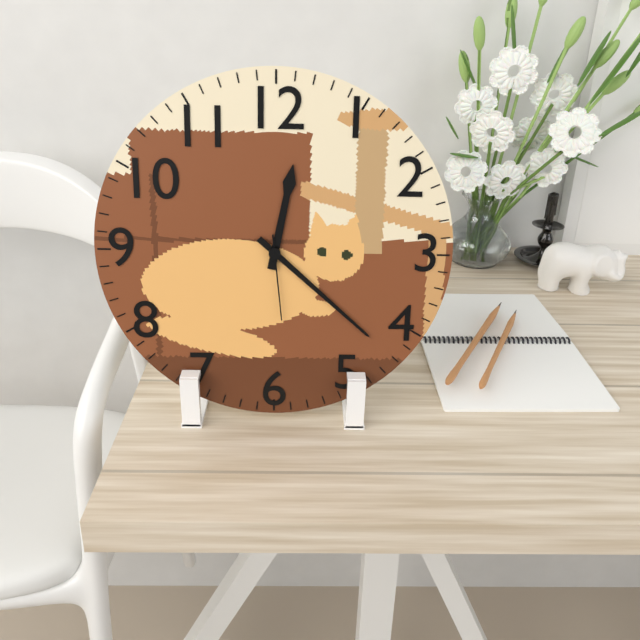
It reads {"hour": 12, "minute": 22, "second": 29}
